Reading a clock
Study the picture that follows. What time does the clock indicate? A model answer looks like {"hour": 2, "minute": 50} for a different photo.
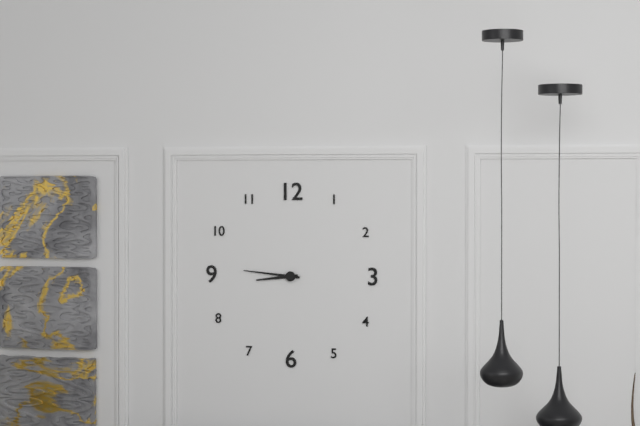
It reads {"hour": 8, "minute": 46}
